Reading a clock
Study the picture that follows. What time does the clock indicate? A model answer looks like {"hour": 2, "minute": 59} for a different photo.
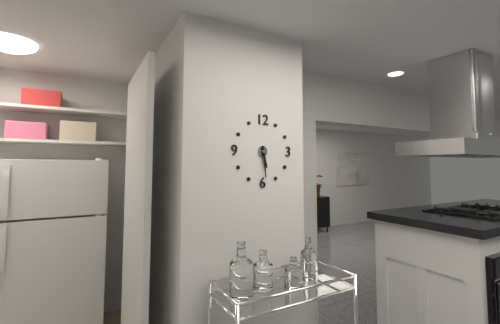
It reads {"hour": 5, "minute": 29}
